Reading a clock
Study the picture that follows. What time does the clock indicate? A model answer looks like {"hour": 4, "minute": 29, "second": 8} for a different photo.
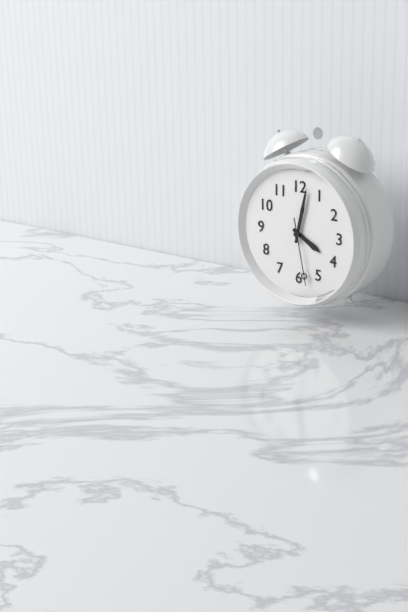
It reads {"hour": 4, "minute": 2, "second": 28}
